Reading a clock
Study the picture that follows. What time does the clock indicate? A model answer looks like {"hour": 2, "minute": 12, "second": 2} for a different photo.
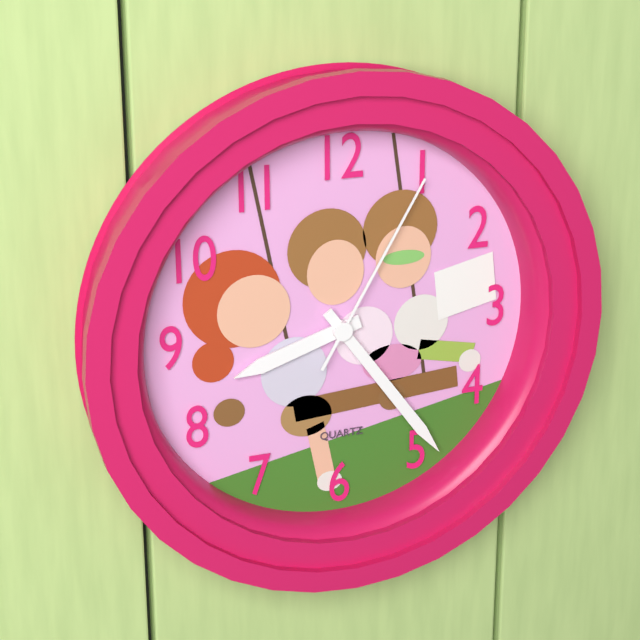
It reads {"hour": 8, "minute": 24, "second": 5}
